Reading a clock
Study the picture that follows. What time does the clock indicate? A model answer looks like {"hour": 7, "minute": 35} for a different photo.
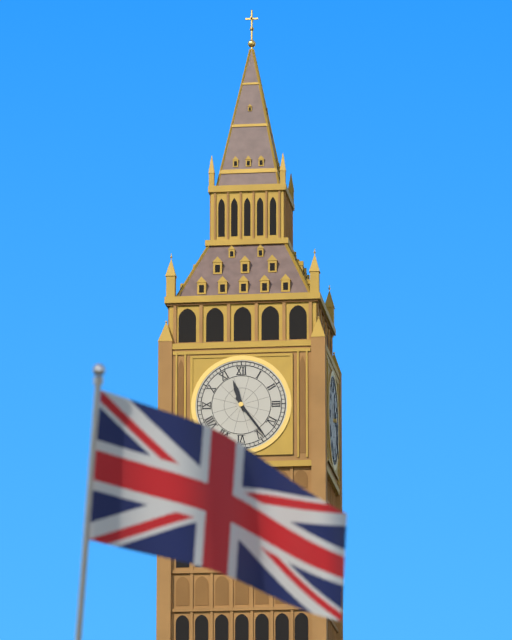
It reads {"hour": 11, "minute": 24}
